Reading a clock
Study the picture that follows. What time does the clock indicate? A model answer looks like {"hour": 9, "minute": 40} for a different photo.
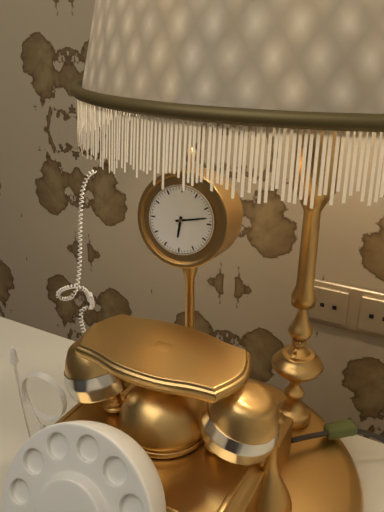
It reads {"hour": 6, "minute": 13}
